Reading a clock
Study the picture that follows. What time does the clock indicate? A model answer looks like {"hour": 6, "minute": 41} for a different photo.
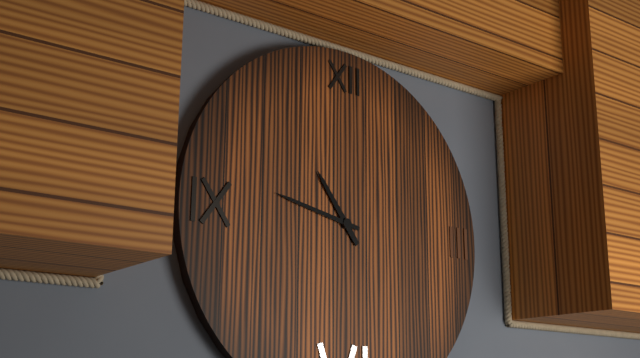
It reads {"hour": 10, "minute": 47}
